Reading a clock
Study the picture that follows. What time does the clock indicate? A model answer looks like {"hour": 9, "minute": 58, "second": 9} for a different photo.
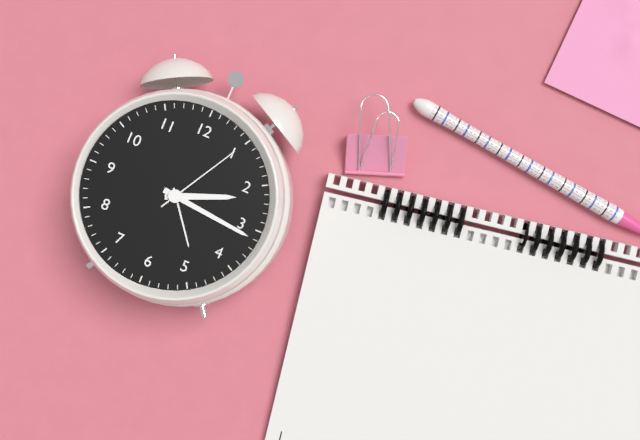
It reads {"hour": 2, "minute": 16, "second": 5}
